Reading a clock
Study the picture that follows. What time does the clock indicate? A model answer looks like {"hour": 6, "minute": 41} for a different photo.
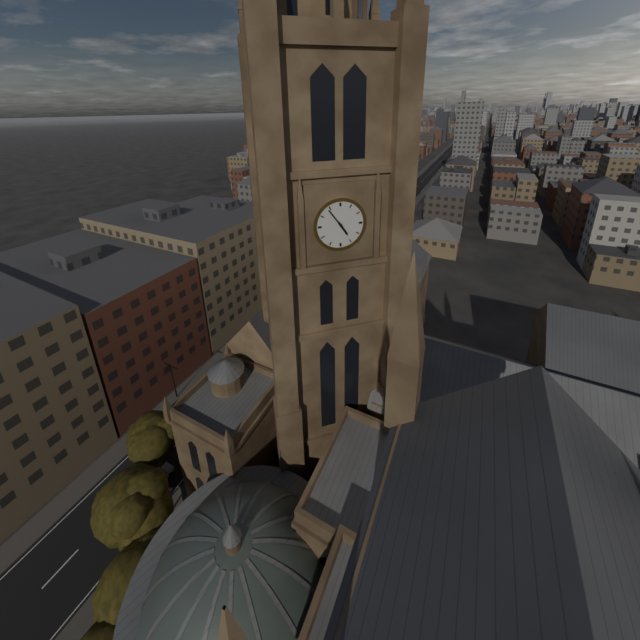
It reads {"hour": 4, "minute": 54}
